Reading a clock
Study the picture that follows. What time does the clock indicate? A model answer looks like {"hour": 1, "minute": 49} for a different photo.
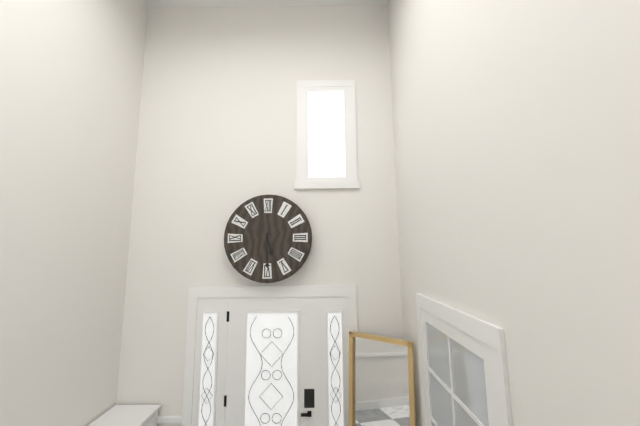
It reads {"hour": 5, "minute": 30}
